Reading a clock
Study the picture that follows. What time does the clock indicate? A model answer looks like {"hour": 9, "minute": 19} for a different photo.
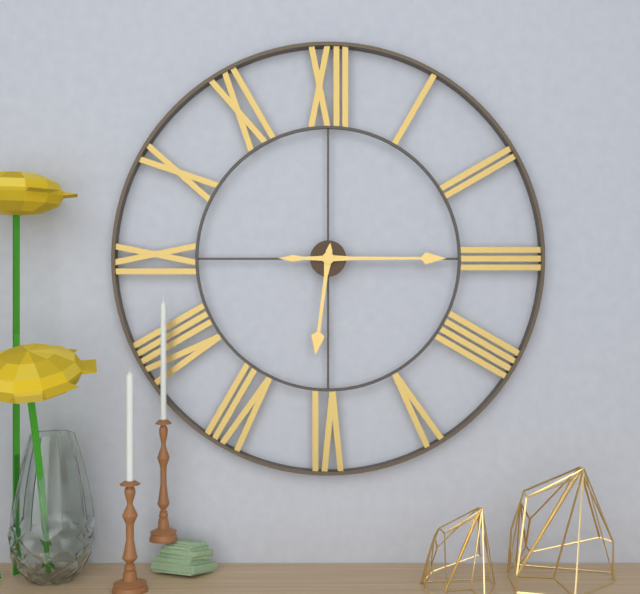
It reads {"hour": 6, "minute": 15}
